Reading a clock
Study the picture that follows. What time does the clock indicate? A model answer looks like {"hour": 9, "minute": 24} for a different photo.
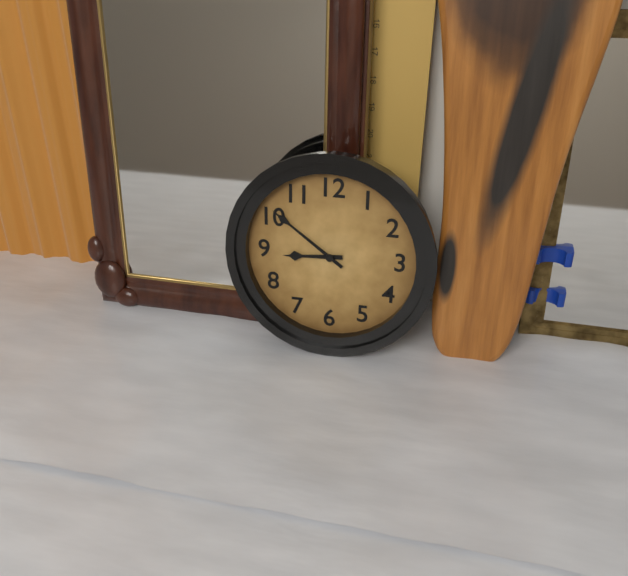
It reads {"hour": 8, "minute": 51}
